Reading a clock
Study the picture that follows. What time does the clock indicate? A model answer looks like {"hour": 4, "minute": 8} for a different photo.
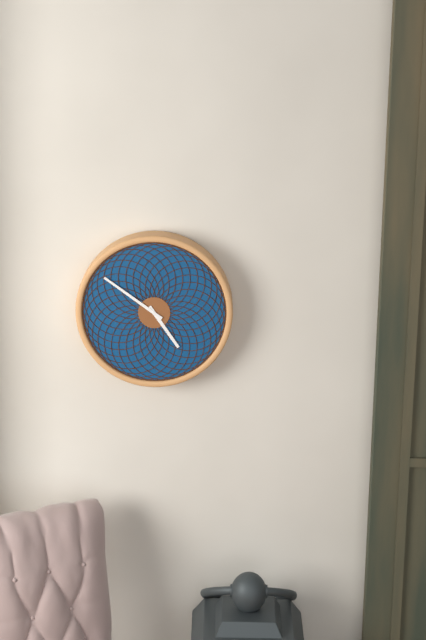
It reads {"hour": 4, "minute": 51}
